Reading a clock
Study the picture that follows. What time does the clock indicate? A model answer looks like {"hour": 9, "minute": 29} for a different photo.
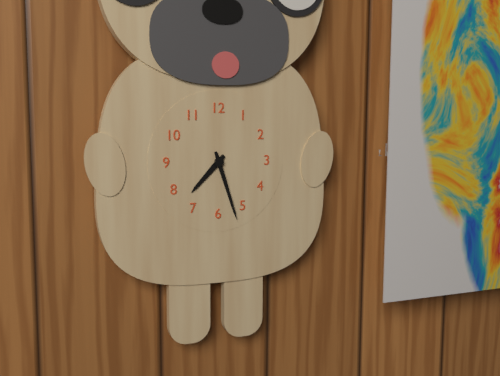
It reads {"hour": 7, "minute": 27}
